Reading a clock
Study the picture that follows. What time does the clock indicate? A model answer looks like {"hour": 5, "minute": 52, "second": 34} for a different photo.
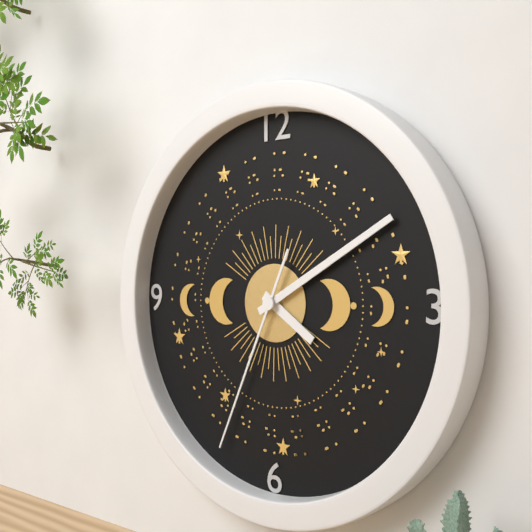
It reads {"hour": 4, "minute": 10, "second": 34}
